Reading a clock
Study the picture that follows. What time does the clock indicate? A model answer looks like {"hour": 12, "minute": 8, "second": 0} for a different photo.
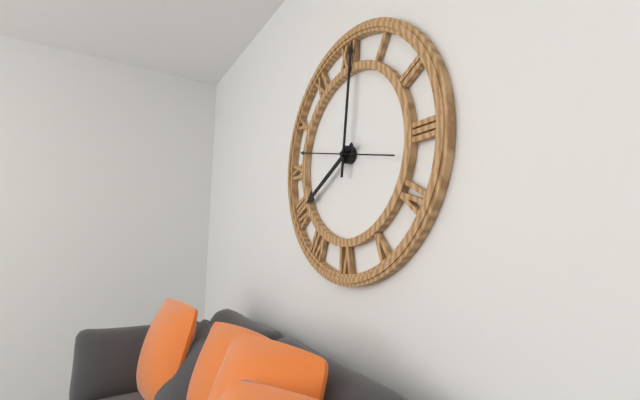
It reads {"hour": 8, "minute": 1, "second": 47}
